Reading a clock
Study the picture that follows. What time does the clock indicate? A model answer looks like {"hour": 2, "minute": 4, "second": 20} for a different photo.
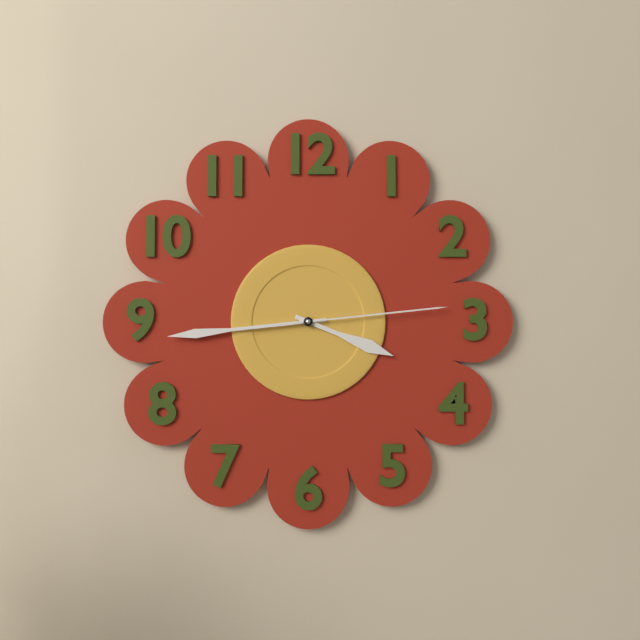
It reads {"hour": 3, "minute": 44, "second": 14}
